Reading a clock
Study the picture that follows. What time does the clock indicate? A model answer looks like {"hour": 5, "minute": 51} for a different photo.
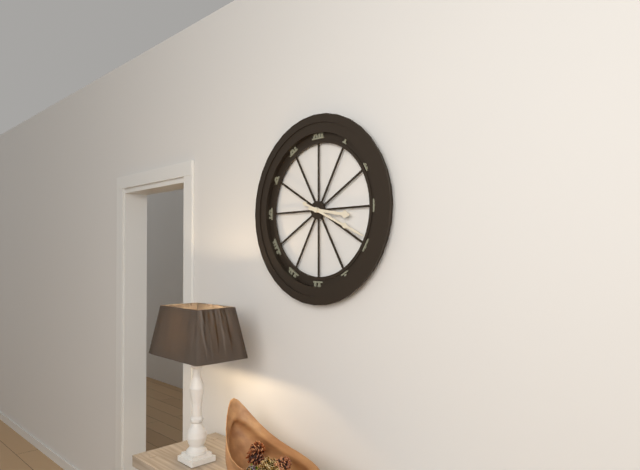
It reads {"hour": 3, "minute": 19}
